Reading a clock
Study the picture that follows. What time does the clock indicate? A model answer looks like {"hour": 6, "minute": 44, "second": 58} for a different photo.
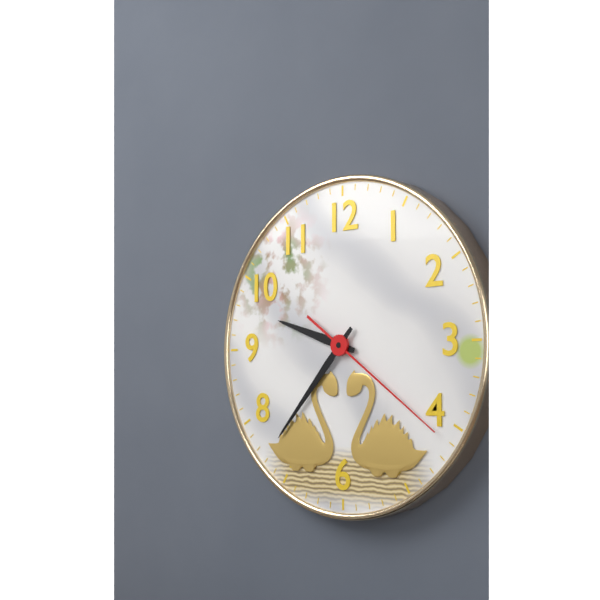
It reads {"hour": 9, "minute": 37, "second": 21}
